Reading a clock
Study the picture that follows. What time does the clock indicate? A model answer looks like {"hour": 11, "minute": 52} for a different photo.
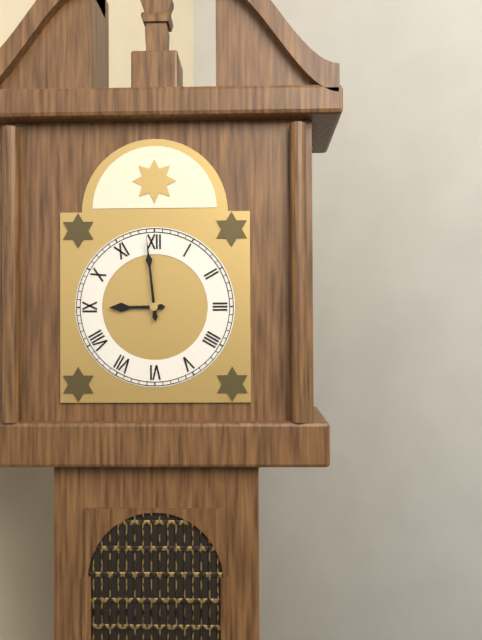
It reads {"hour": 8, "minute": 59}
